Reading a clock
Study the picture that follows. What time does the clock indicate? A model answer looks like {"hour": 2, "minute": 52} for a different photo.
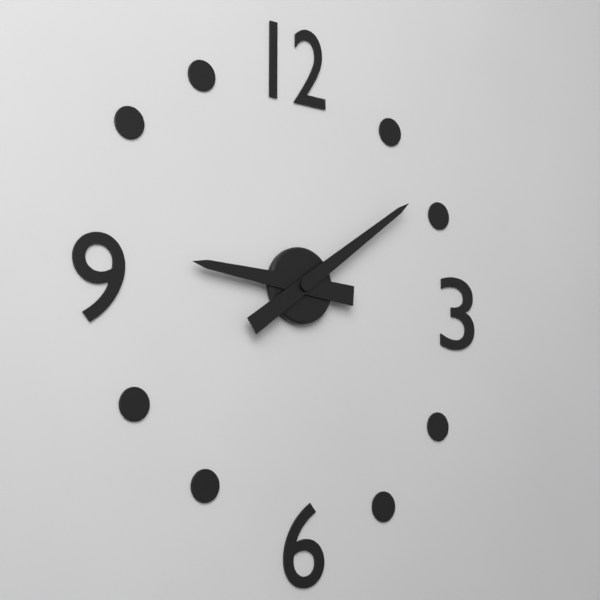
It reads {"hour": 9, "minute": 9}
